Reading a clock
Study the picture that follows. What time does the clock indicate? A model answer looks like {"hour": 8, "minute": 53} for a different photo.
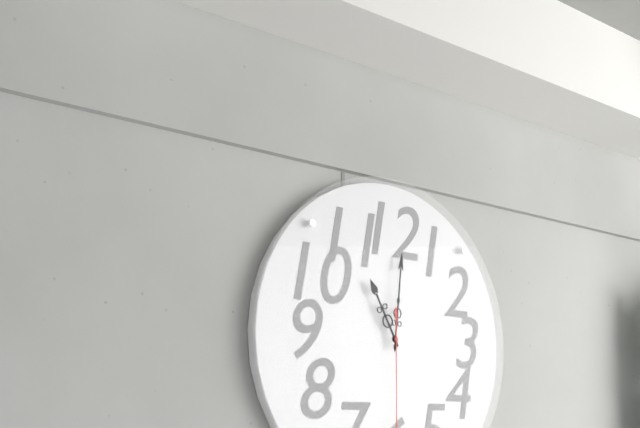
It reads {"hour": 11, "minute": 1}
